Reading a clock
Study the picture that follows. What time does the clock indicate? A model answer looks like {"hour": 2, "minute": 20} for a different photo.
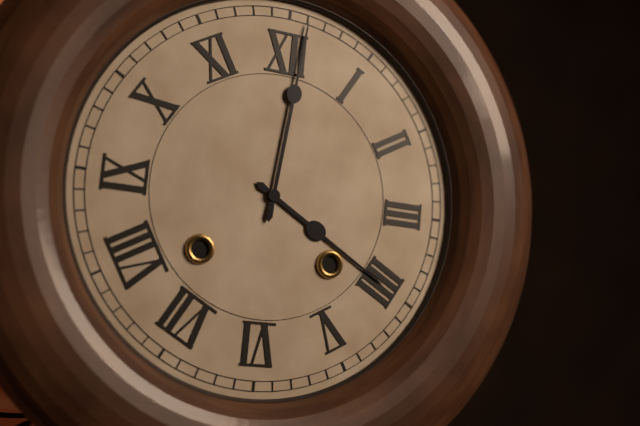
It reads {"hour": 4, "minute": 1}
